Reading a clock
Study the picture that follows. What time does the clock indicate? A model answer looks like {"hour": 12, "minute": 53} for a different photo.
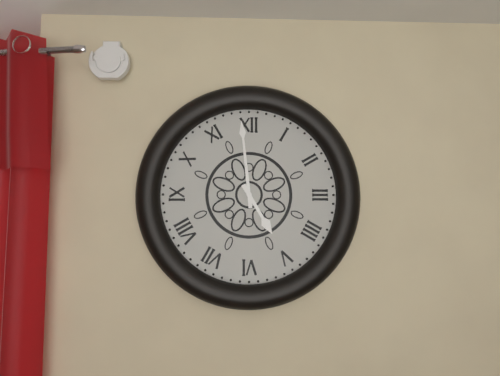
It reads {"hour": 4, "minute": 59}
